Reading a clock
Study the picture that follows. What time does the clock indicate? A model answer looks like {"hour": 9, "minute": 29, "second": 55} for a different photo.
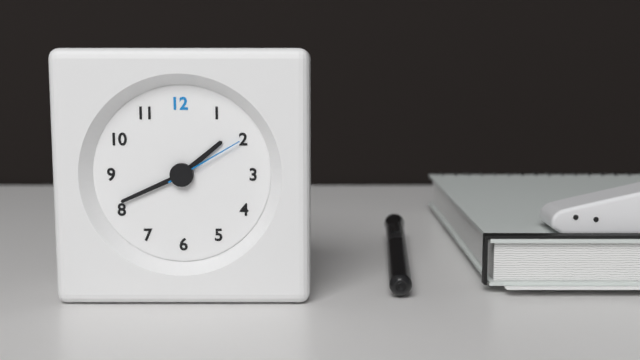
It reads {"hour": 1, "minute": 41, "second": 10}
